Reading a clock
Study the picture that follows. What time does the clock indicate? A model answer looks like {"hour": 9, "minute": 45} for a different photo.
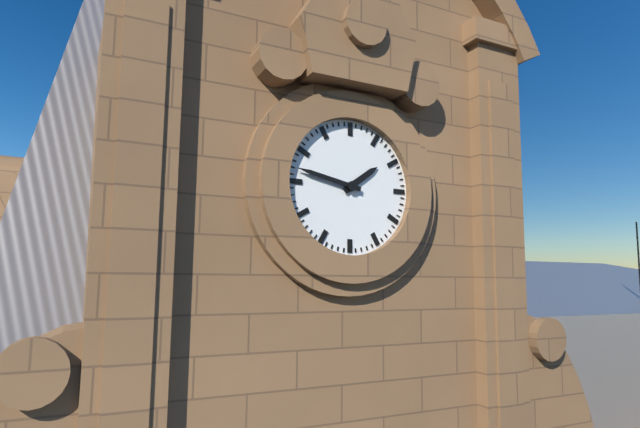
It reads {"hour": 1, "minute": 47}
